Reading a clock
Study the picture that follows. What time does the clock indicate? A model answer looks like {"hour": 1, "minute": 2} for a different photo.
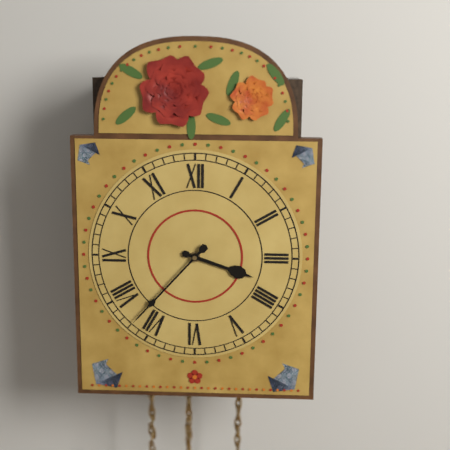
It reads {"hour": 3, "minute": 37}
